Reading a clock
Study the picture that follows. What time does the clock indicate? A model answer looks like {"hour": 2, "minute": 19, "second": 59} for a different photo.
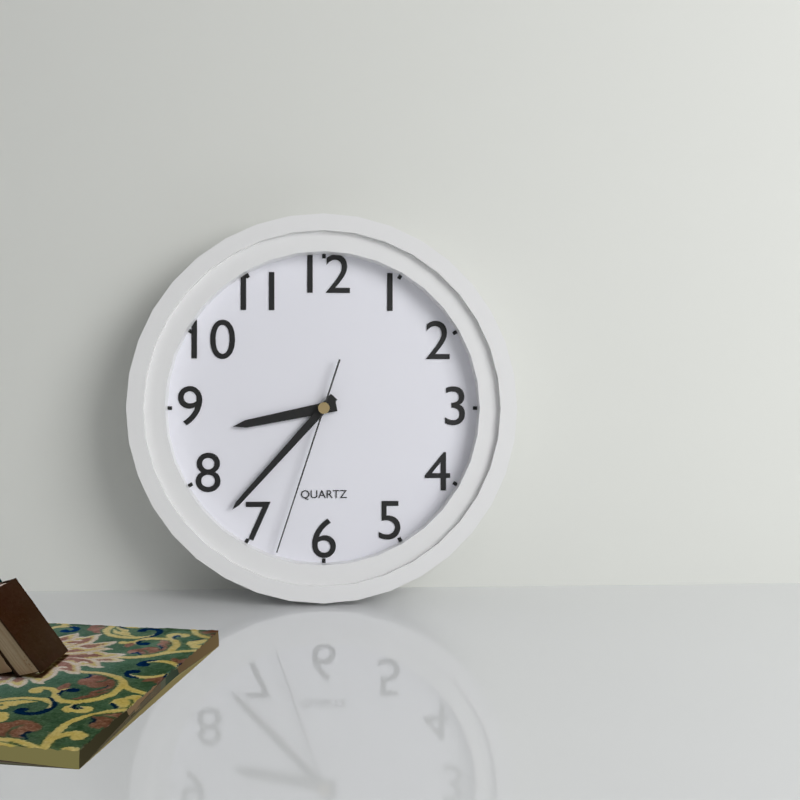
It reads {"hour": 8, "minute": 37, "second": 33}
